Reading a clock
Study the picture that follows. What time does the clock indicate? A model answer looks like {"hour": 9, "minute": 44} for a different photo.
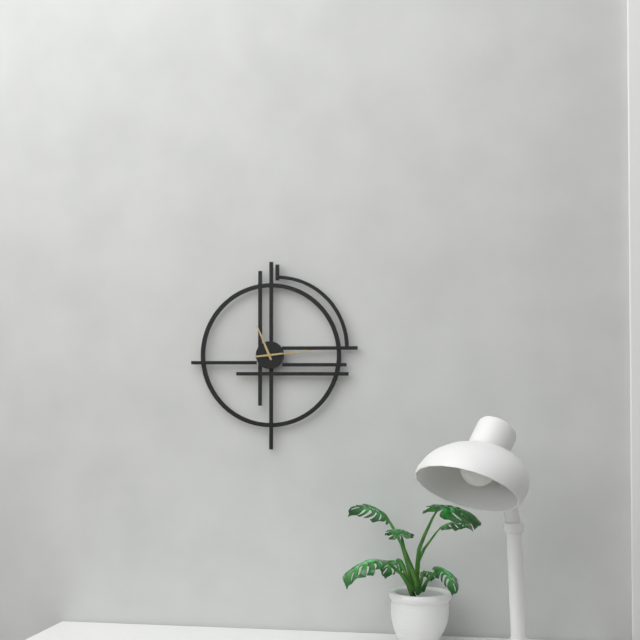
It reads {"hour": 11, "minute": 14}
